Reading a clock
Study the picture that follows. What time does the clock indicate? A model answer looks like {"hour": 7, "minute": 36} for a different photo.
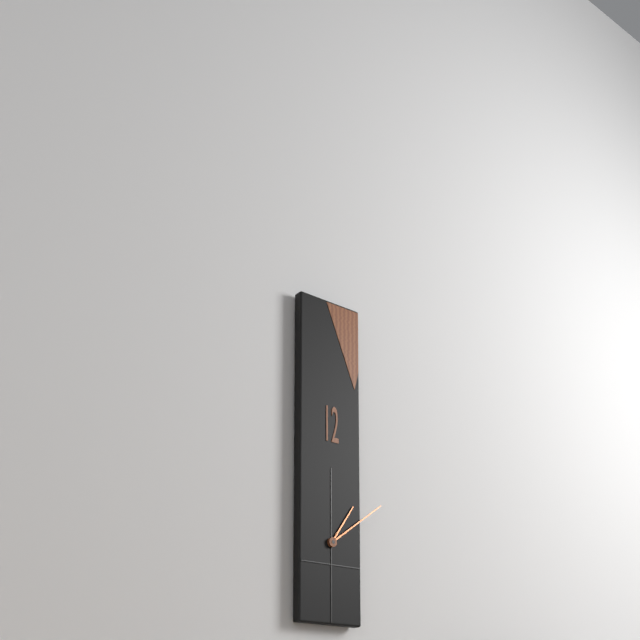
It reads {"hour": 1, "minute": 9}
